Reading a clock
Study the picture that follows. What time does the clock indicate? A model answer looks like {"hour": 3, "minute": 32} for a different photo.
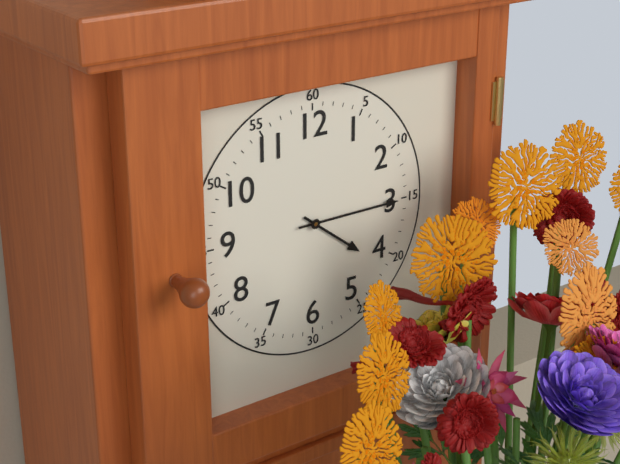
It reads {"hour": 4, "minute": 15}
